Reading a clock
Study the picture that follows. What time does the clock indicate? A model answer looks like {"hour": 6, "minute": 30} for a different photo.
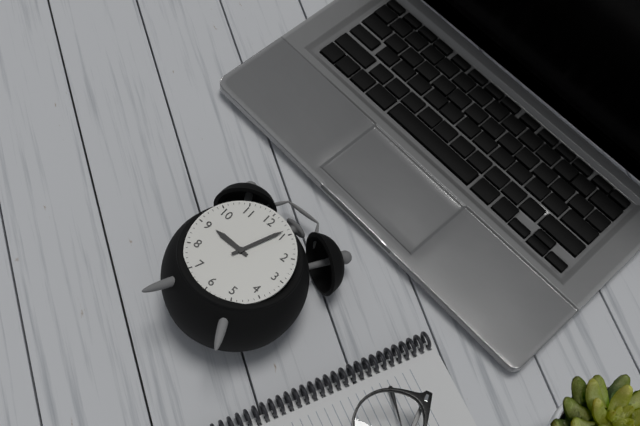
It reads {"hour": 9, "minute": 4}
